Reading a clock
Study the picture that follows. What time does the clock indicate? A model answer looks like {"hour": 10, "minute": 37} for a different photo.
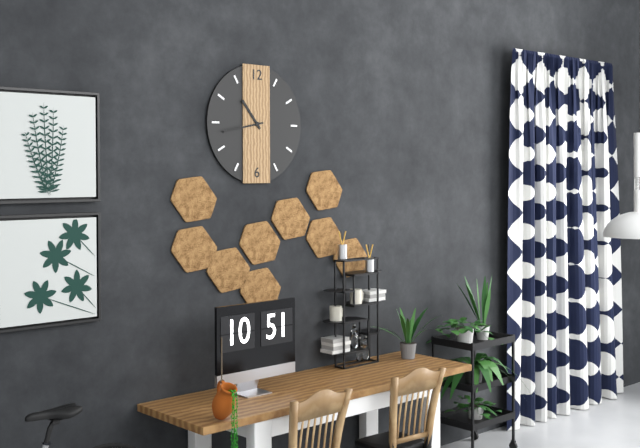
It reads {"hour": 10, "minute": 43}
